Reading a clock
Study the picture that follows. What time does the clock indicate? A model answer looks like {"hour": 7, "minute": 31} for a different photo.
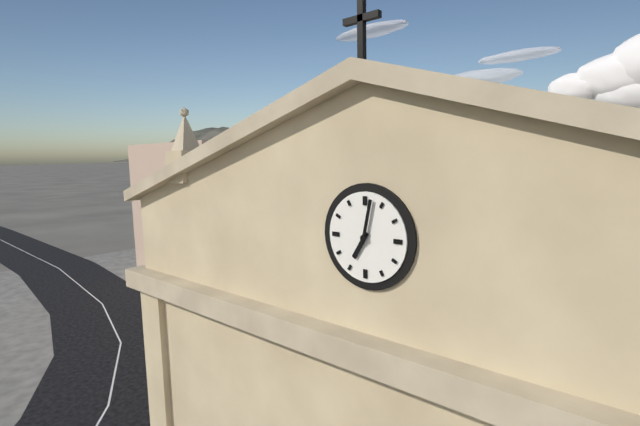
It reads {"hour": 7, "minute": 2}
